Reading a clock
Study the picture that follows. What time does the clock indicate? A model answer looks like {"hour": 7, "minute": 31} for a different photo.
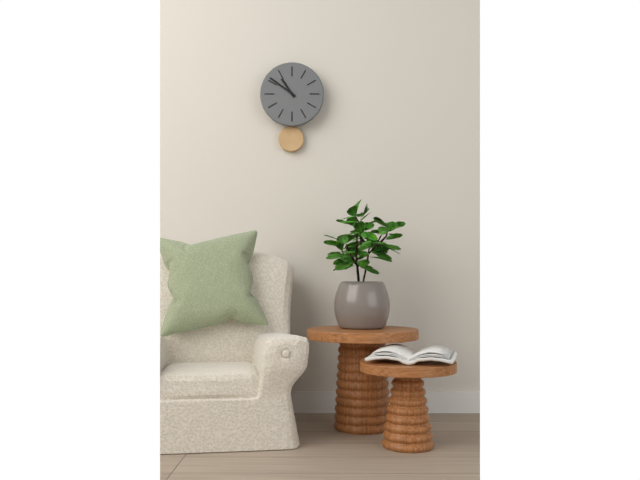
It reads {"hour": 10, "minute": 51}
